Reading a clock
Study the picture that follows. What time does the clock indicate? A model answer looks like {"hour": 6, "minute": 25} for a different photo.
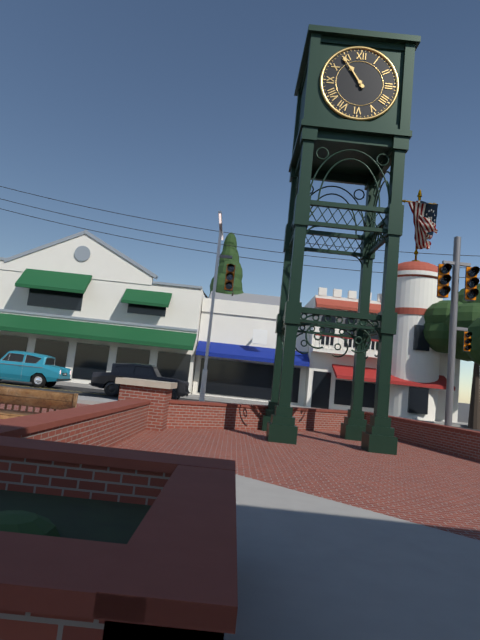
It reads {"hour": 10, "minute": 54}
